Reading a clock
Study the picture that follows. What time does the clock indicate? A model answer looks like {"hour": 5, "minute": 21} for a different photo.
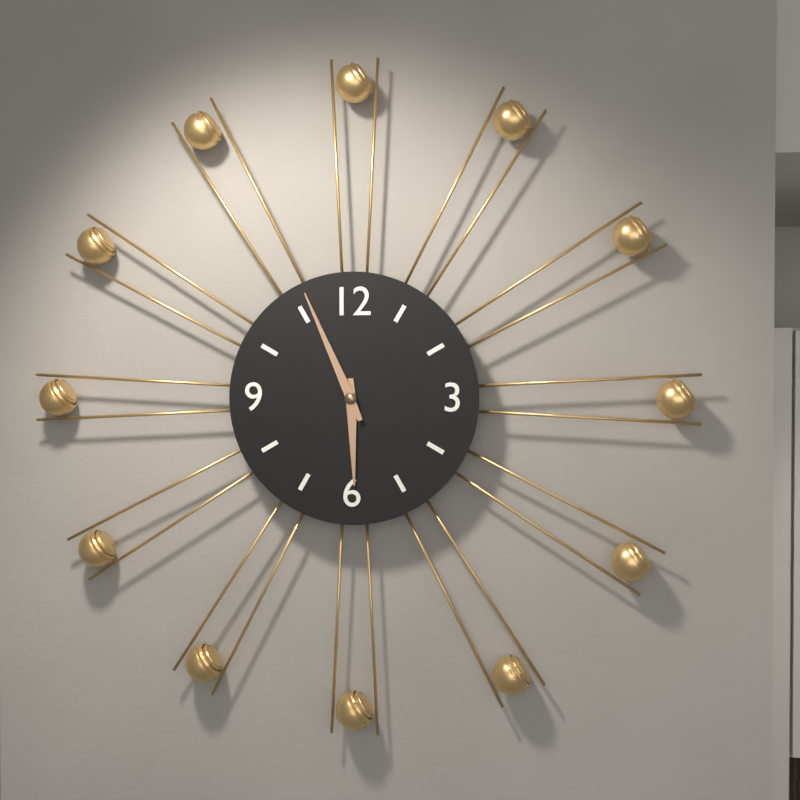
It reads {"hour": 5, "minute": 56}
